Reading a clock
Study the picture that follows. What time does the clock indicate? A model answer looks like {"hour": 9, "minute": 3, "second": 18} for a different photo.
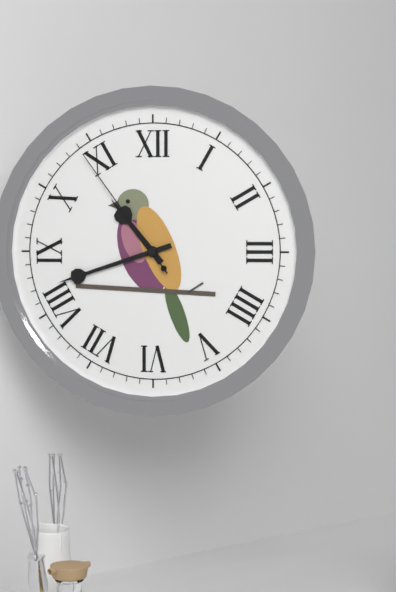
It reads {"hour": 10, "minute": 42, "second": 54}
